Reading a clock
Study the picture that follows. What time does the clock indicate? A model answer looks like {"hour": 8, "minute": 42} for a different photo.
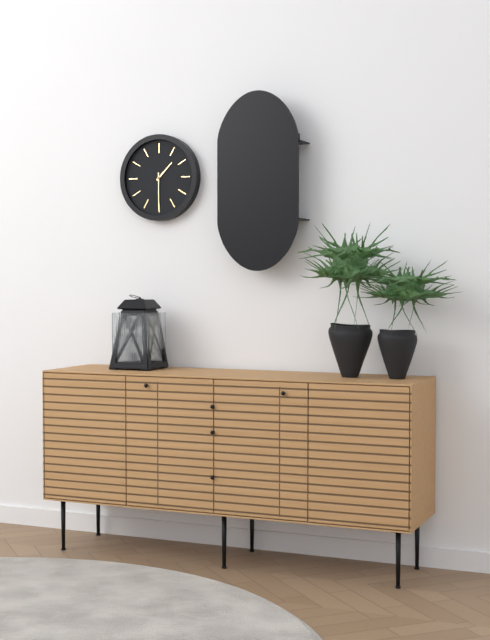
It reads {"hour": 1, "minute": 30}
